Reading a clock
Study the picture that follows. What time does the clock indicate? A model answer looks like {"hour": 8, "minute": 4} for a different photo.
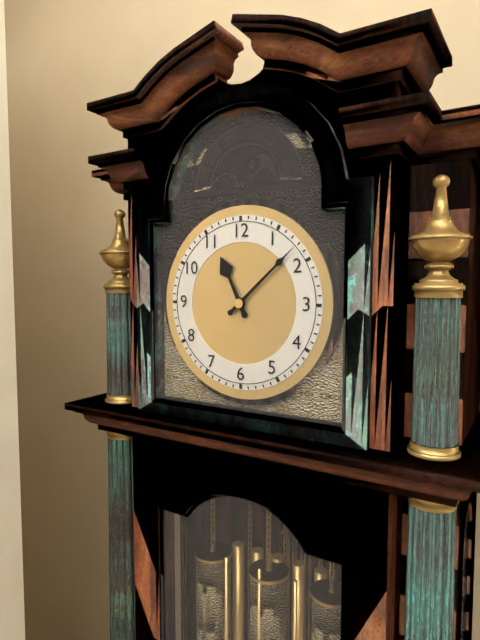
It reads {"hour": 11, "minute": 8}
